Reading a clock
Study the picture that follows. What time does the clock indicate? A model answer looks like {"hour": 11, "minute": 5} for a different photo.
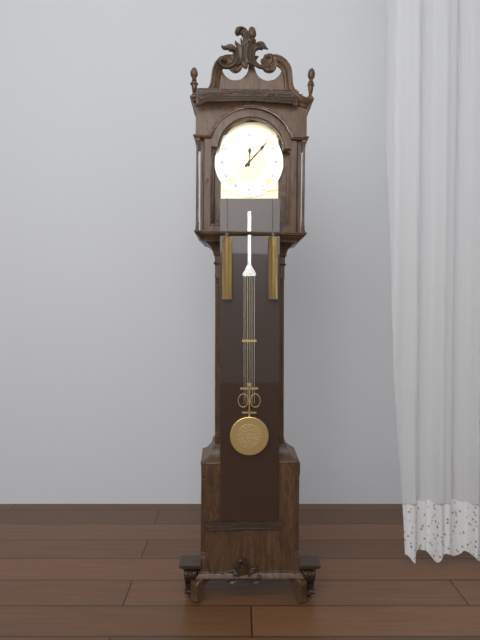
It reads {"hour": 12, "minute": 7}
